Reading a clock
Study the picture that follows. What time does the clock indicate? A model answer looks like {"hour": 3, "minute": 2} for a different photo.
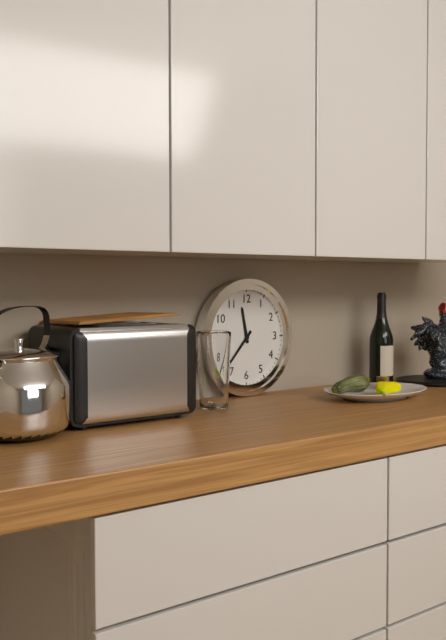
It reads {"hour": 11, "minute": 37}
